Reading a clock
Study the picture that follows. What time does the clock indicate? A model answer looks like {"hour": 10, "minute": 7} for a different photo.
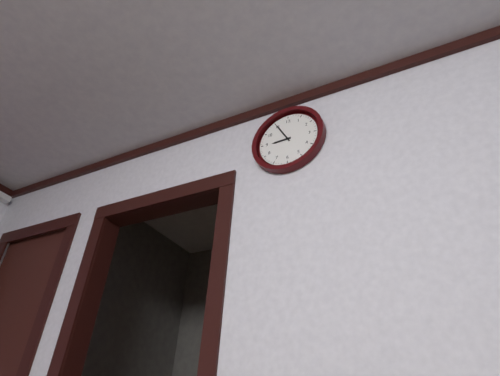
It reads {"hour": 8, "minute": 55}
